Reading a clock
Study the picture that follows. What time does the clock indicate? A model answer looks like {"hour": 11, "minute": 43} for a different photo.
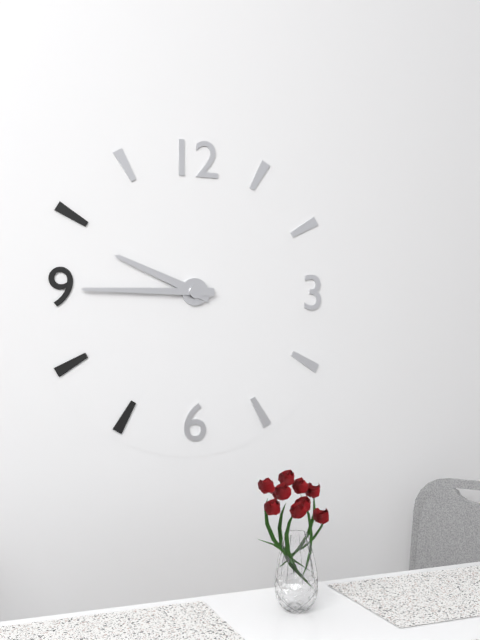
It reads {"hour": 9, "minute": 45}
